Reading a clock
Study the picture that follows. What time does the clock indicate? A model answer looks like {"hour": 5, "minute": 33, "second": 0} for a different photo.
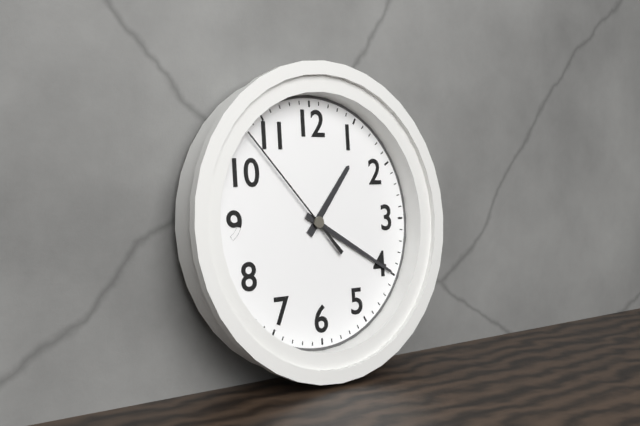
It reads {"hour": 1, "minute": 20, "second": 53}
